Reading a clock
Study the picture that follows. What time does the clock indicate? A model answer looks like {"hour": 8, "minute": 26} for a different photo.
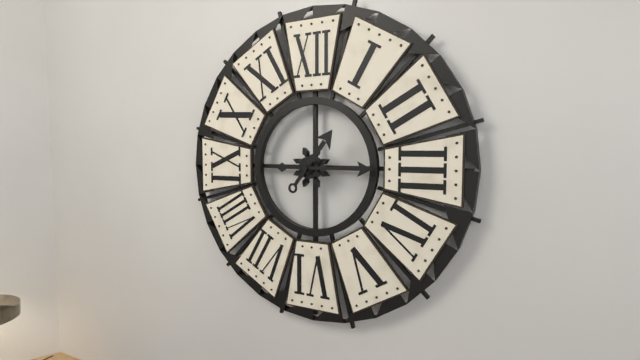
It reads {"hour": 1, "minute": 15}
